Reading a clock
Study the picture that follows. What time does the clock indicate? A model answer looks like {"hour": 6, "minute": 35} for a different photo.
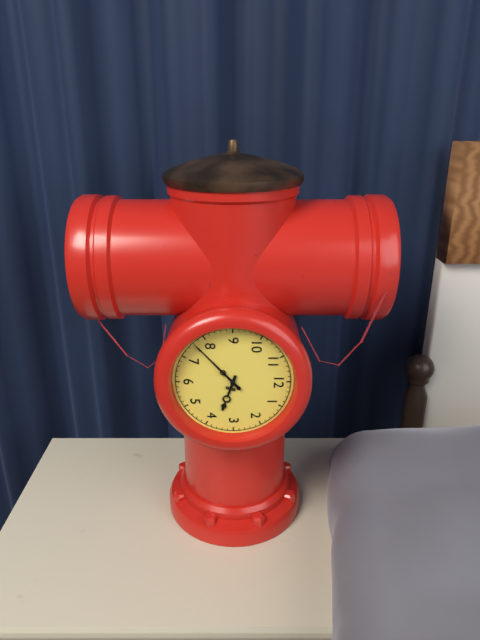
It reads {"hour": 3, "minute": 38}
